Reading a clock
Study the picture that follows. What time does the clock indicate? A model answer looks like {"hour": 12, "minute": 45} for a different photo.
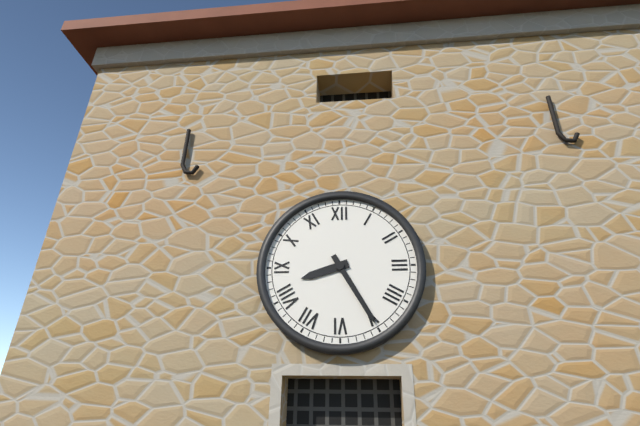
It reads {"hour": 8, "minute": 25}
